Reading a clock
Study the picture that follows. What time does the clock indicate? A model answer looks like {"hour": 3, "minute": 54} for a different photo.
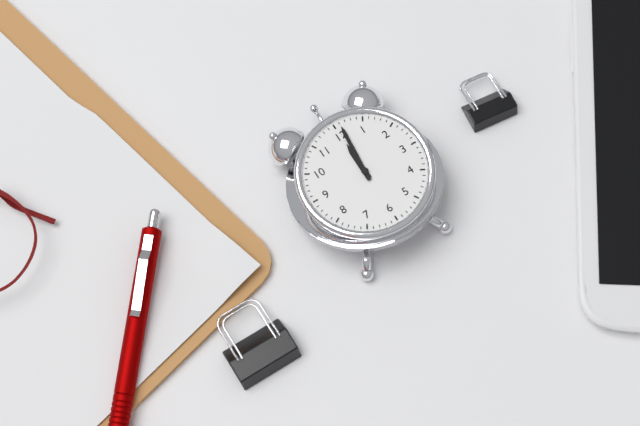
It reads {"hour": 12, "minute": 1}
